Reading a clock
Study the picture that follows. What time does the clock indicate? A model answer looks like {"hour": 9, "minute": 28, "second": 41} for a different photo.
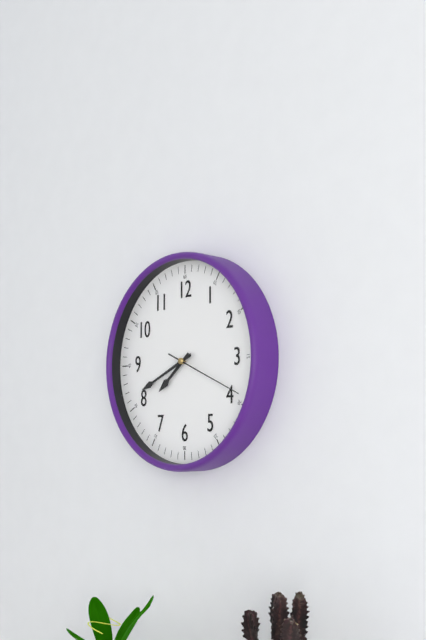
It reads {"hour": 7, "minute": 41, "second": 19}
